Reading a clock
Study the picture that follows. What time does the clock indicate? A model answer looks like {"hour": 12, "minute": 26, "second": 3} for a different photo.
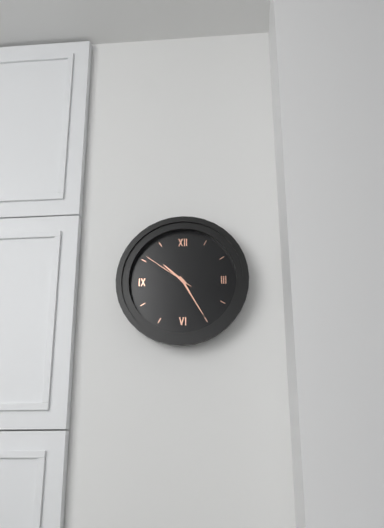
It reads {"hour": 10, "minute": 25, "second": 51}
